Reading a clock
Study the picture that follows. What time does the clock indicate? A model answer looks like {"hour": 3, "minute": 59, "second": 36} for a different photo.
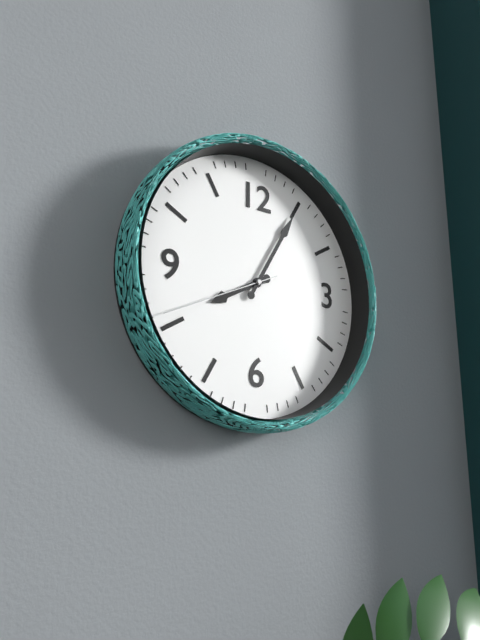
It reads {"hour": 8, "minute": 5, "second": 41}
